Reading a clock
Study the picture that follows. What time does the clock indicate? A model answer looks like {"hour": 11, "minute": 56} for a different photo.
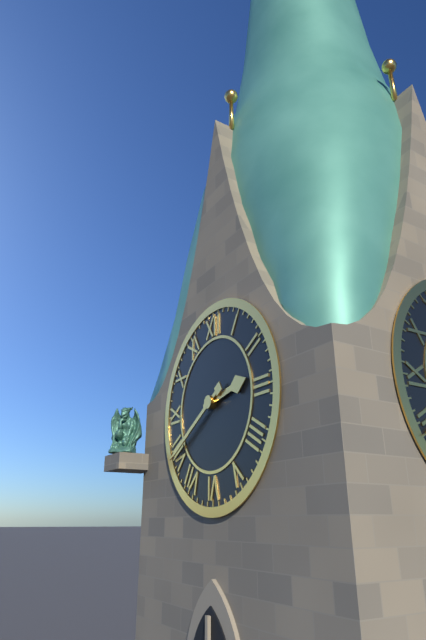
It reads {"hour": 2, "minute": 40}
